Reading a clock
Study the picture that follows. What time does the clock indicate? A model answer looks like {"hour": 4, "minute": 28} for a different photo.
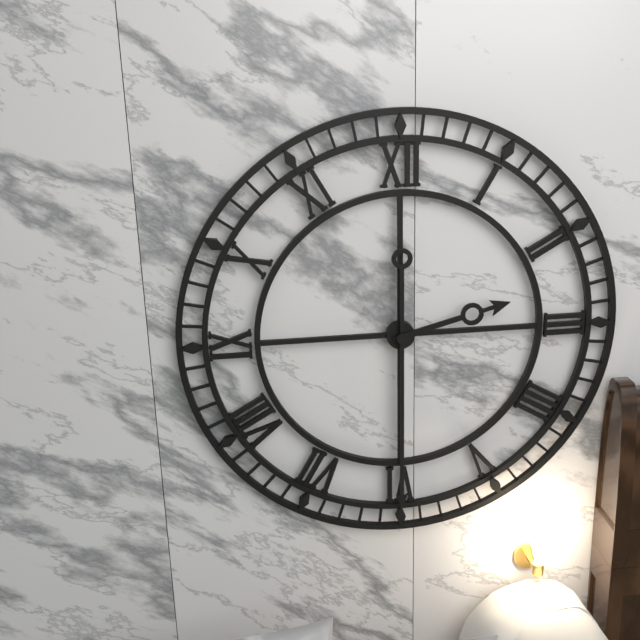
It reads {"hour": 2, "minute": 30}
